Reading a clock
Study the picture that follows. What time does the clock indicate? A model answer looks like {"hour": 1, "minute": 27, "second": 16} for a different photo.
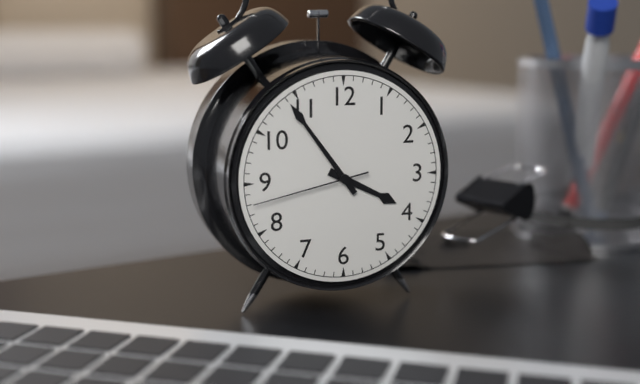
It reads {"hour": 3, "minute": 54, "second": 43}
